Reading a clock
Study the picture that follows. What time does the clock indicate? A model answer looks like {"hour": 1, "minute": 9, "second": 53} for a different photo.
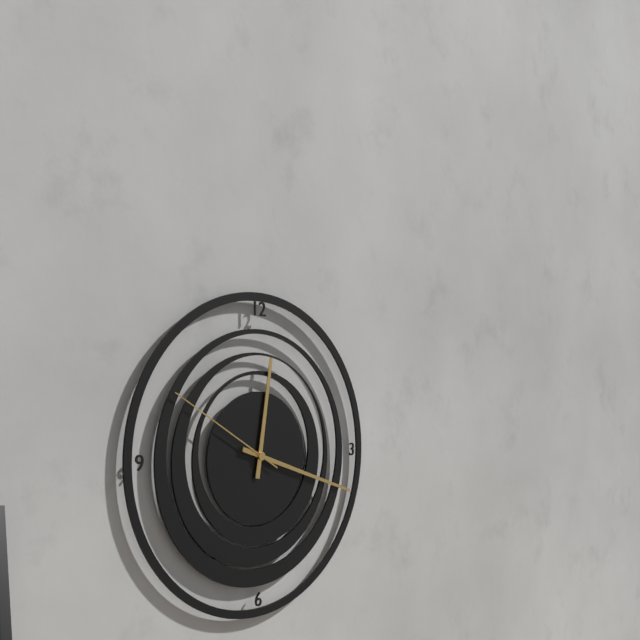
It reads {"hour": 12, "minute": 18, "second": 50}
